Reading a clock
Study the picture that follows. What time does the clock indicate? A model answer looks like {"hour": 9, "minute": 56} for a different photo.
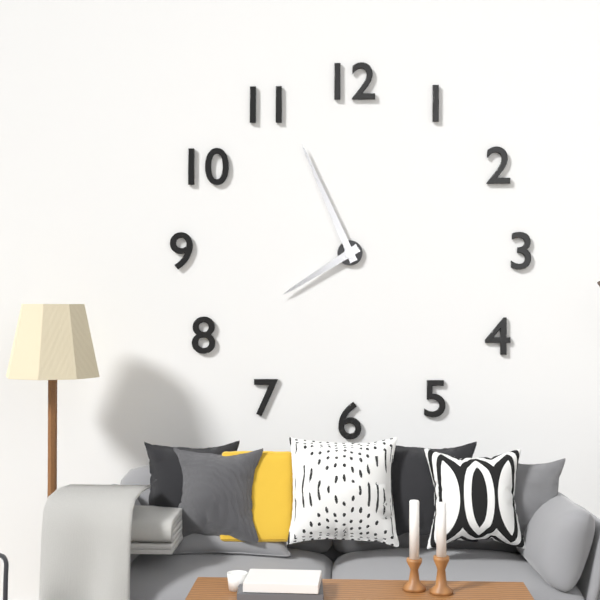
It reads {"hour": 7, "minute": 56}
